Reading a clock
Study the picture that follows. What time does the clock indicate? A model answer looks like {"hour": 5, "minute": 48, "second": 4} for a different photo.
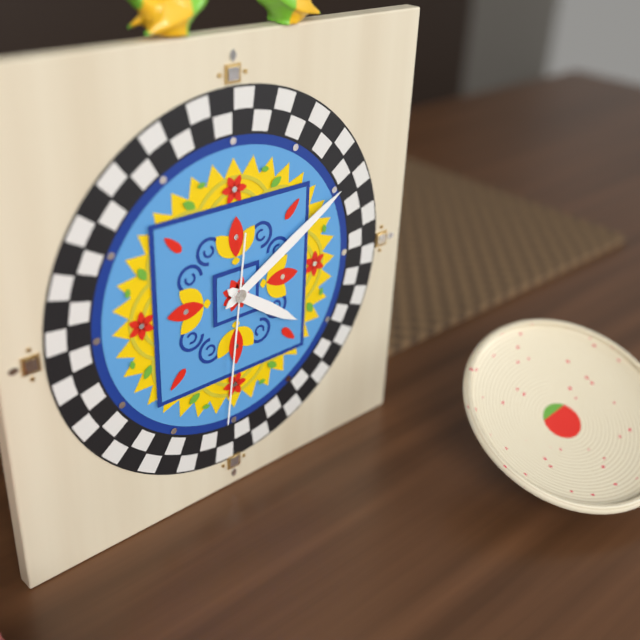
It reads {"hour": 4, "minute": 10, "second": 31}
